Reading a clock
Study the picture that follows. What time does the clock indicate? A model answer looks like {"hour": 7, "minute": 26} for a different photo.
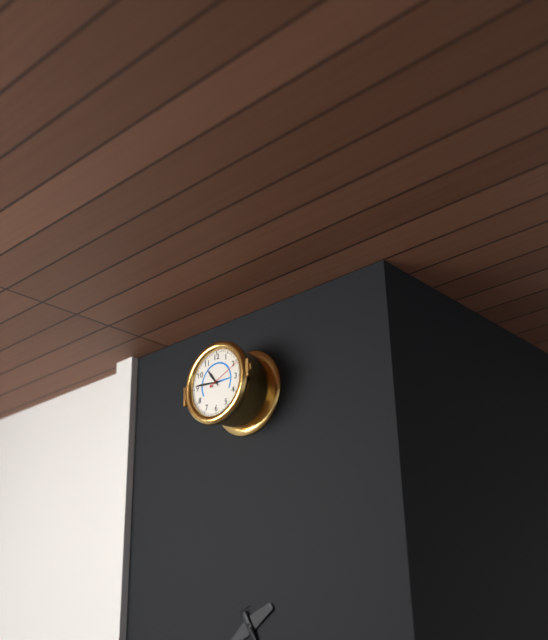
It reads {"hour": 10, "minute": 46}
